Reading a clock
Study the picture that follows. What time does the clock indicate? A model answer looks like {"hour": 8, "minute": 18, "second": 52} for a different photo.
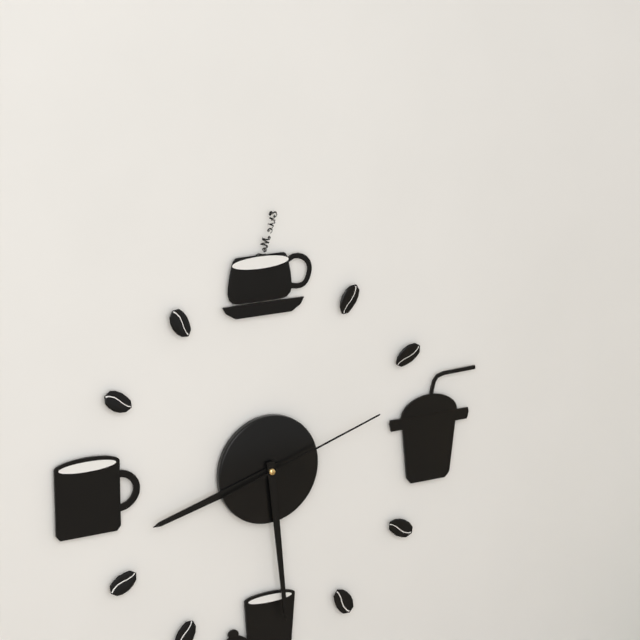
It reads {"hour": 8, "minute": 29, "second": 12}
